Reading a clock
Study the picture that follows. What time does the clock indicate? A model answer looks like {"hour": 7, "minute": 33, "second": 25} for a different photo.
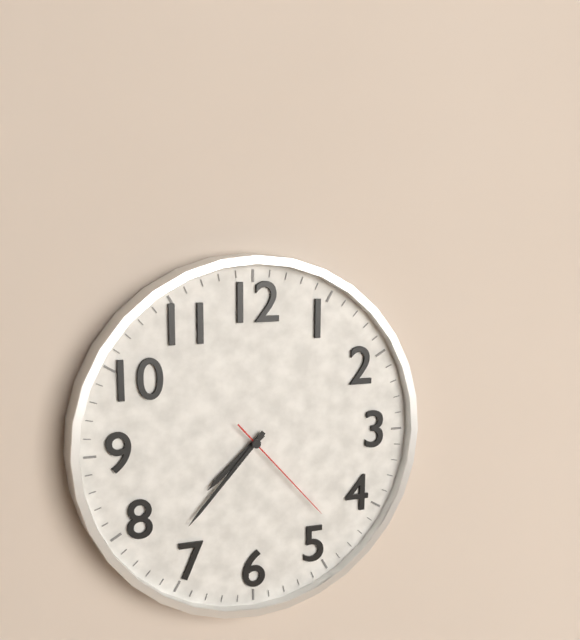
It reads {"hour": 7, "minute": 37, "second": 23}
